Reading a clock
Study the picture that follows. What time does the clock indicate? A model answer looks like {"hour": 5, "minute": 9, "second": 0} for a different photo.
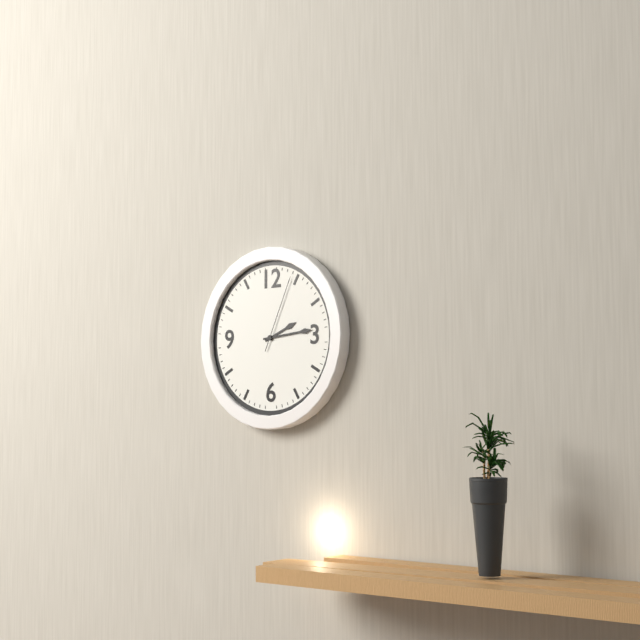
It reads {"hour": 2, "minute": 14, "second": 4}
